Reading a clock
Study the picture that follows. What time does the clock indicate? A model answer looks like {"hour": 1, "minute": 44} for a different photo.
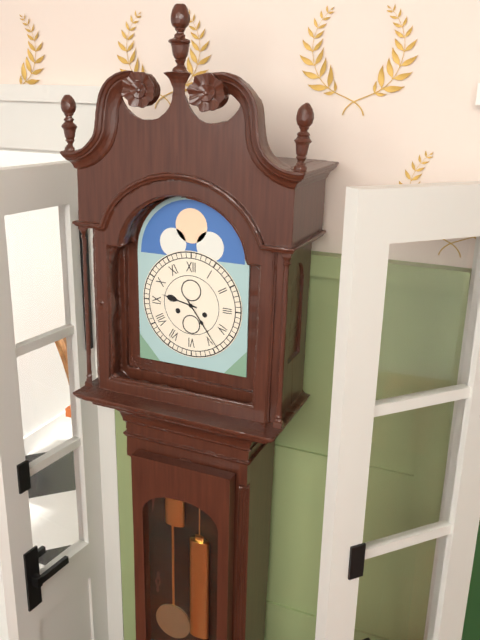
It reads {"hour": 9, "minute": 24}
